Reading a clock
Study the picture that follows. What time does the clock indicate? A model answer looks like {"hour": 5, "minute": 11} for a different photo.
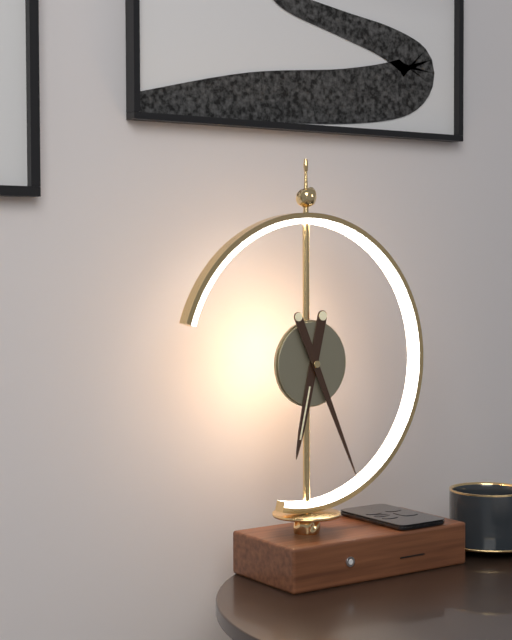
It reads {"hour": 6, "minute": 26}
